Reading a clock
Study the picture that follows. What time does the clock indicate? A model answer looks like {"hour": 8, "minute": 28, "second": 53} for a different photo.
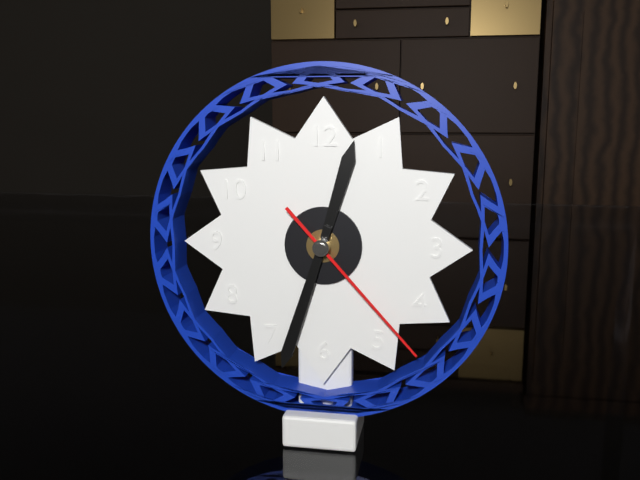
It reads {"hour": 12, "minute": 33, "second": 23}
